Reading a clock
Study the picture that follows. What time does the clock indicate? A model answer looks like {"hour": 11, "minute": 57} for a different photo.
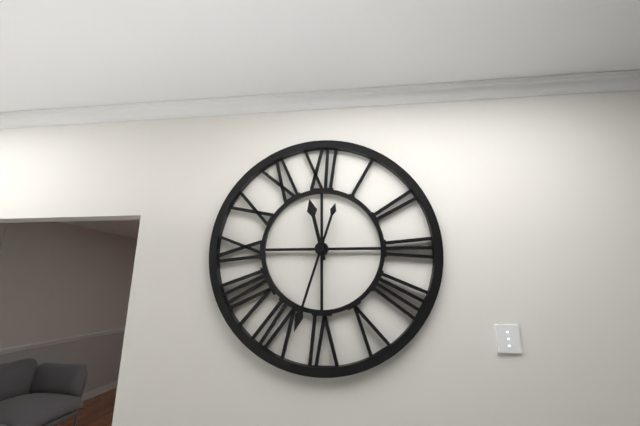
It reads {"hour": 11, "minute": 33}
